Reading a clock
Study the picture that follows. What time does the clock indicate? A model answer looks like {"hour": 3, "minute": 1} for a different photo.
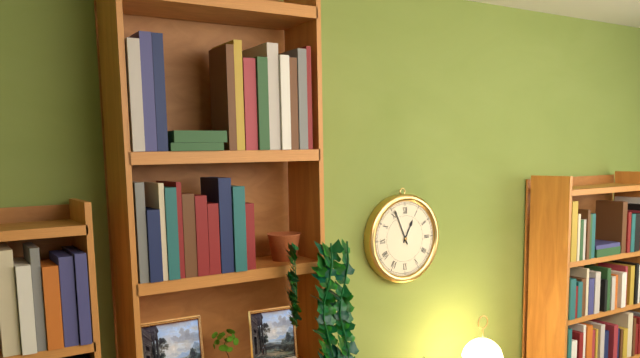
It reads {"hour": 12, "minute": 56}
